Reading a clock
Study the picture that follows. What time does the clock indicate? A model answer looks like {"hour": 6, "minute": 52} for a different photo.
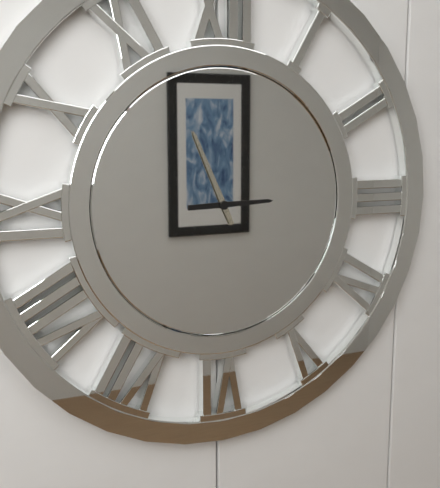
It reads {"hour": 2, "minute": 56}
